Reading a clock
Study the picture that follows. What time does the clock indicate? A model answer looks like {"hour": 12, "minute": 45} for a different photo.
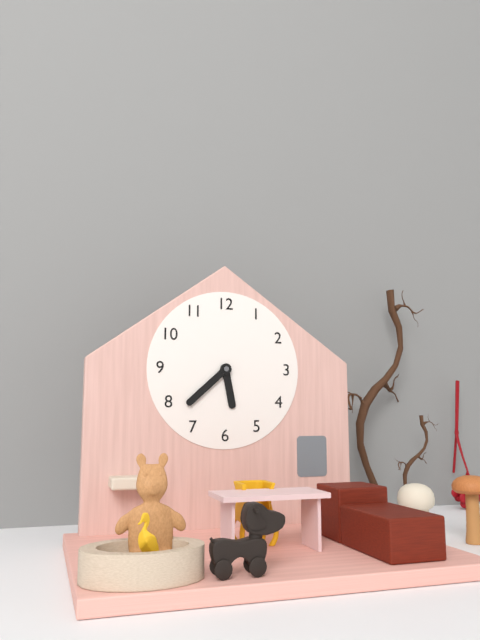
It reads {"hour": 5, "minute": 38}
